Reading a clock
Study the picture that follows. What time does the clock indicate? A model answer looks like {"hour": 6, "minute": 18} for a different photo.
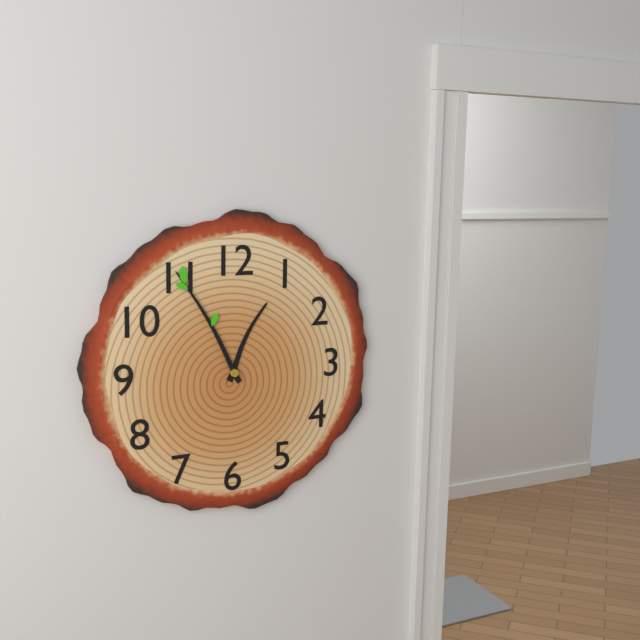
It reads {"hour": 12, "minute": 55}
